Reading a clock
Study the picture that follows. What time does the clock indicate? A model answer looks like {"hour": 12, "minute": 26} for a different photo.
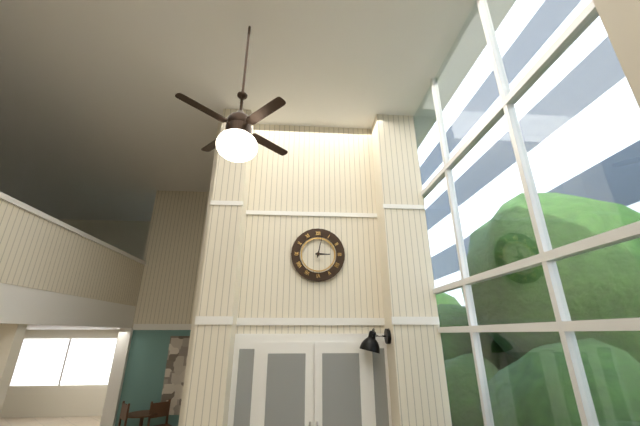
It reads {"hour": 3, "minute": 2}
